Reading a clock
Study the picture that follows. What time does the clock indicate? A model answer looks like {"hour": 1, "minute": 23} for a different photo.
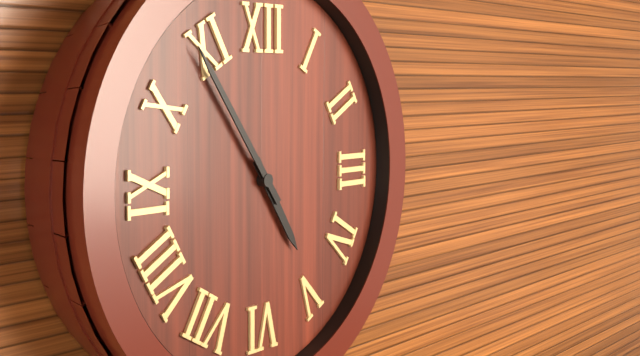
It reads {"hour": 4, "minute": 54}
